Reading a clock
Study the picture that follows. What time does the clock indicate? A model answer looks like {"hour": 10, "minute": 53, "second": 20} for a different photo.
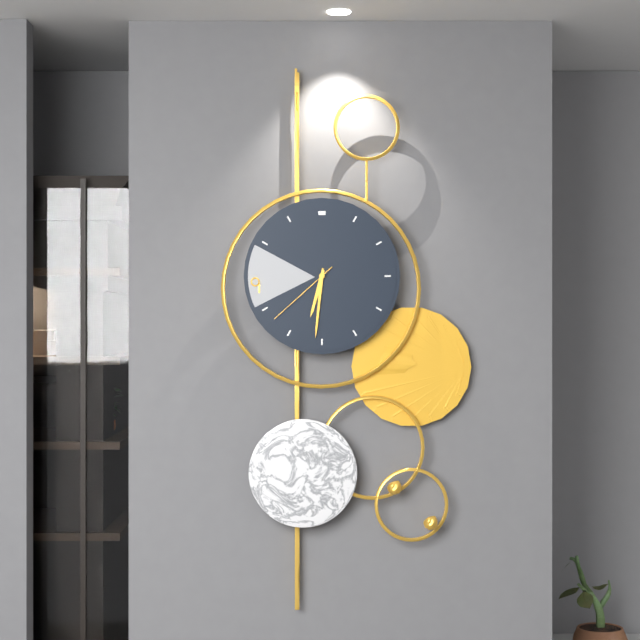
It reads {"hour": 6, "minute": 31, "second": 38}
